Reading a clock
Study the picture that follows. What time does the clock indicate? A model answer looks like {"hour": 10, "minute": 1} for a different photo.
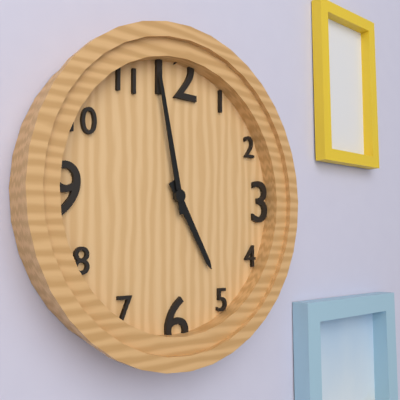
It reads {"hour": 4, "minute": 58}
